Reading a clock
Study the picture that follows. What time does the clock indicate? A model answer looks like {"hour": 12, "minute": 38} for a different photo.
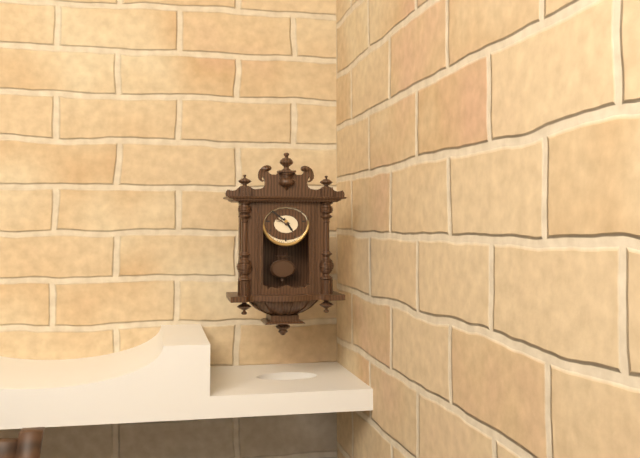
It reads {"hour": 4, "minute": 51}
